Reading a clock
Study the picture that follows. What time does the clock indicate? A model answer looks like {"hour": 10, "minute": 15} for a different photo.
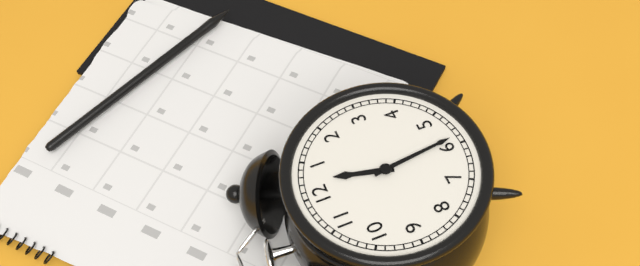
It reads {"hour": 12, "minute": 29}
